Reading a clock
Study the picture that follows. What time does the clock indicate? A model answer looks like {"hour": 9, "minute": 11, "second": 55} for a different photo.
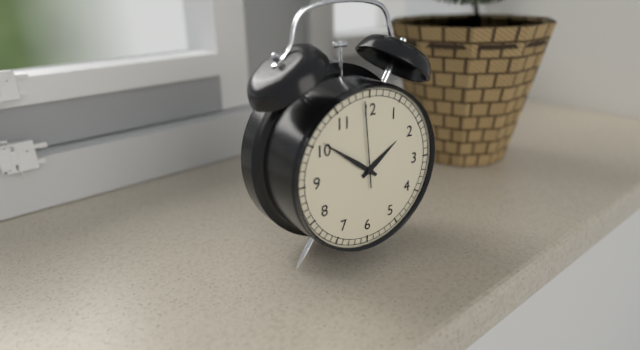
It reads {"hour": 1, "minute": 51, "second": 59}
